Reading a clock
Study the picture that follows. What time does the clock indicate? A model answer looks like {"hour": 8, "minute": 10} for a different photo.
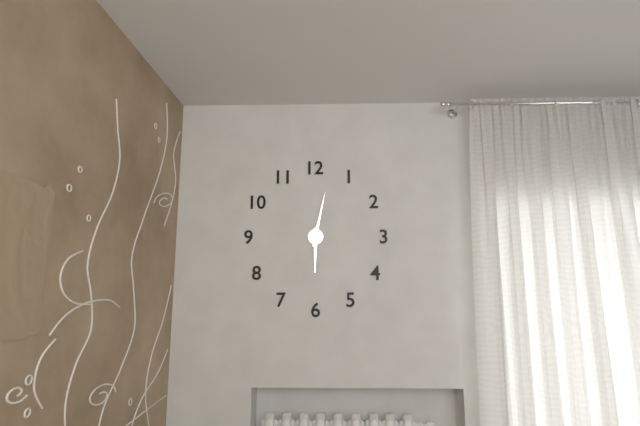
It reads {"hour": 6, "minute": 2}
